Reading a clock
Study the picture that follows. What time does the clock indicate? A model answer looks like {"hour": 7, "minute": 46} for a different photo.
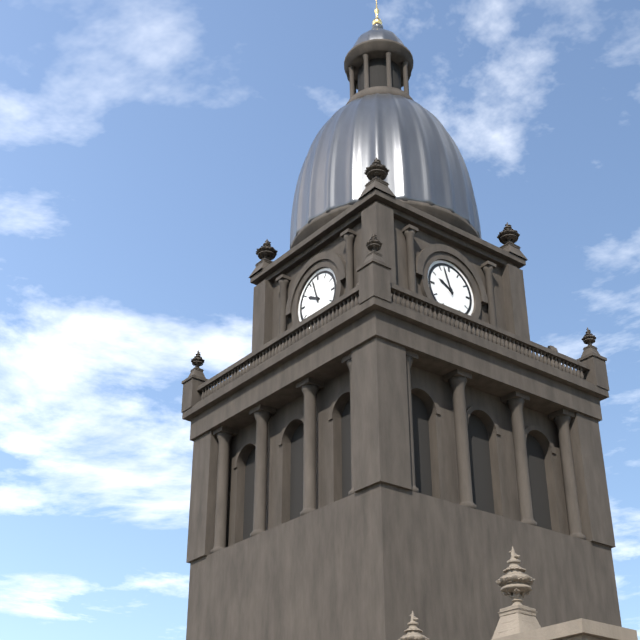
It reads {"hour": 9, "minute": 57}
